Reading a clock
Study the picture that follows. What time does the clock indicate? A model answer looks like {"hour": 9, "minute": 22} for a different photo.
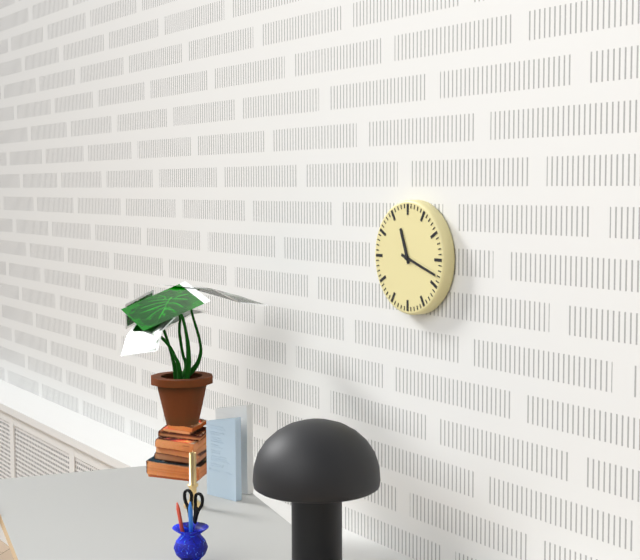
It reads {"hour": 11, "minute": 18}
